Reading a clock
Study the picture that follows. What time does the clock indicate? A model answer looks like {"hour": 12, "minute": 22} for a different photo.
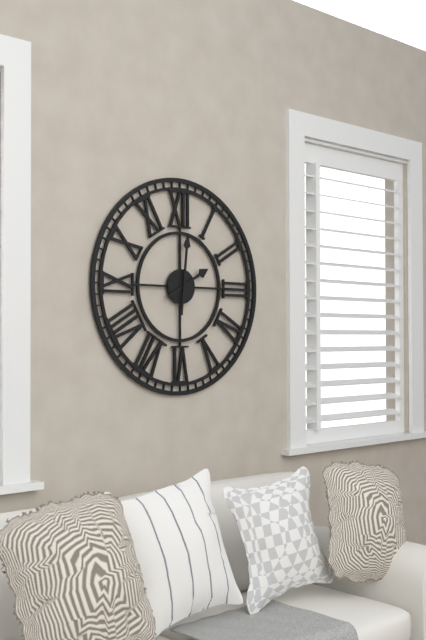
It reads {"hour": 2, "minute": 1}
